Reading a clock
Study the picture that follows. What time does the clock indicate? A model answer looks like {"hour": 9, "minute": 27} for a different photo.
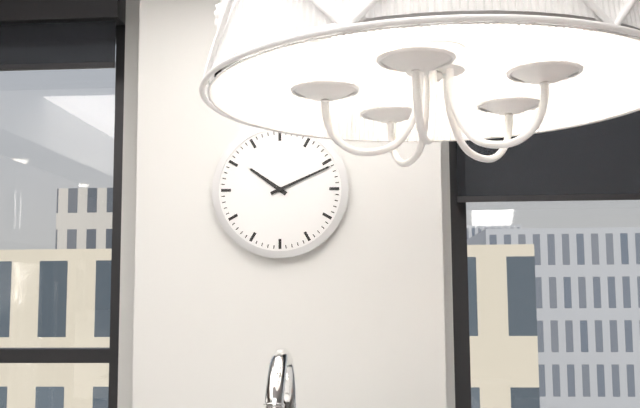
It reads {"hour": 10, "minute": 11}
